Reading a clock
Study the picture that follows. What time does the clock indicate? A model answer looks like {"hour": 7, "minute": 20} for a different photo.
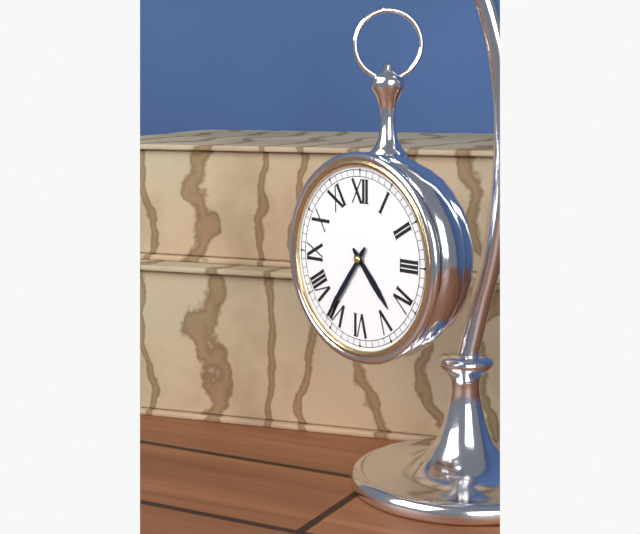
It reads {"hour": 4, "minute": 36}
